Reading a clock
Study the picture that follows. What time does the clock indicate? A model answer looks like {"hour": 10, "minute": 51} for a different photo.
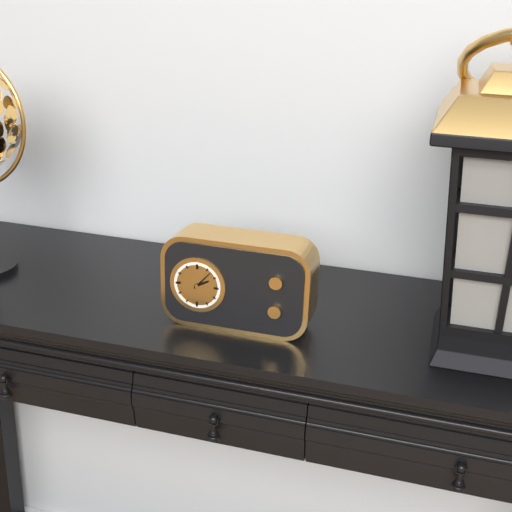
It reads {"hour": 2, "minute": 7}
